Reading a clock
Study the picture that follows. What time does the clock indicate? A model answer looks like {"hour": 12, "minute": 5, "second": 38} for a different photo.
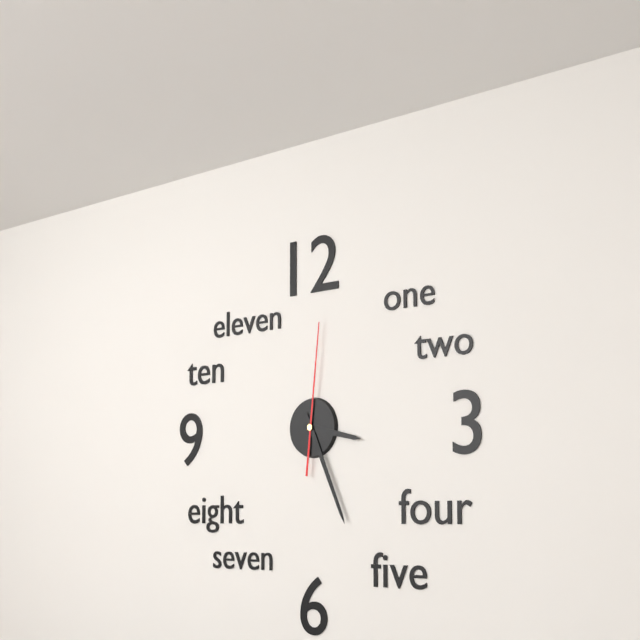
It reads {"hour": 3, "minute": 26, "second": 1}
